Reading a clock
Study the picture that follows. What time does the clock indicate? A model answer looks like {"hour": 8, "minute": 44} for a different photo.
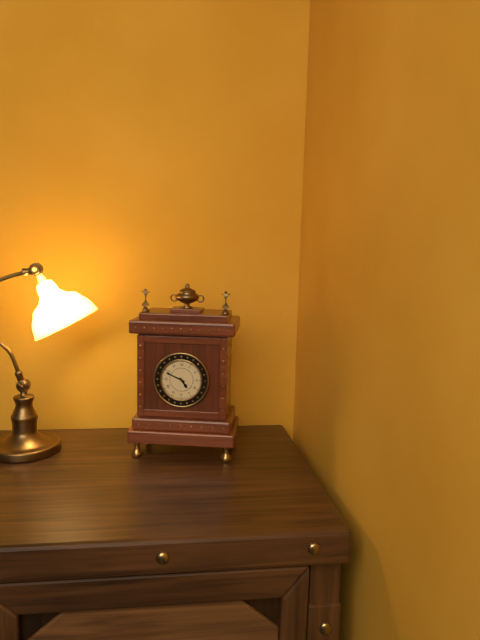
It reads {"hour": 4, "minute": 49}
